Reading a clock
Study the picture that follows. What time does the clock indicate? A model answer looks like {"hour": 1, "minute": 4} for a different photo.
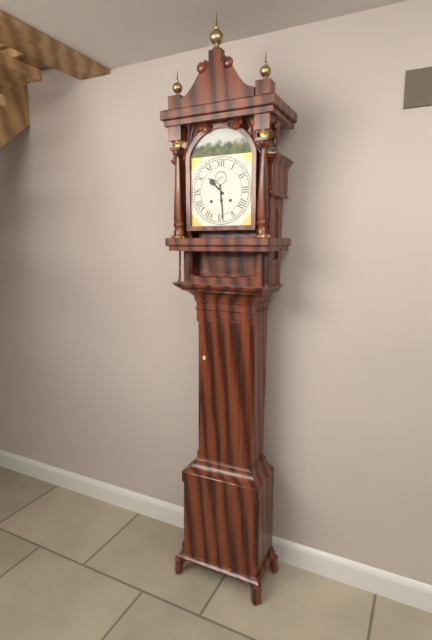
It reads {"hour": 10, "minute": 29}
